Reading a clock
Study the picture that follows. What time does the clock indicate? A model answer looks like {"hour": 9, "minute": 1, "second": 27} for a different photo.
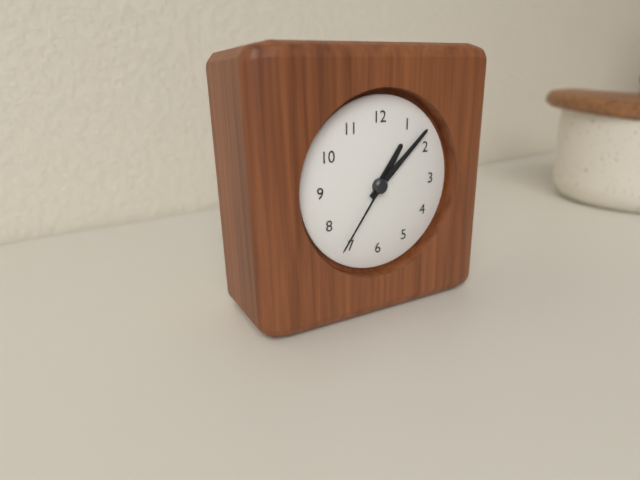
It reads {"hour": 1, "minute": 8, "second": 36}
